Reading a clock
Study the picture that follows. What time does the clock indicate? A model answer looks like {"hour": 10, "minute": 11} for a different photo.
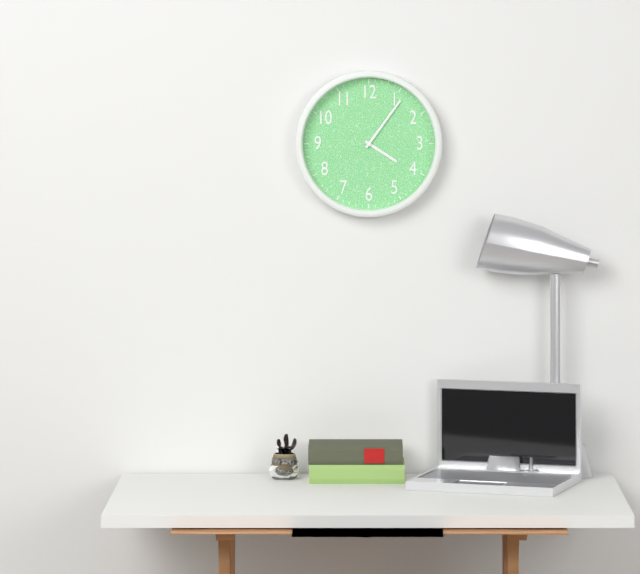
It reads {"hour": 4, "minute": 6}
